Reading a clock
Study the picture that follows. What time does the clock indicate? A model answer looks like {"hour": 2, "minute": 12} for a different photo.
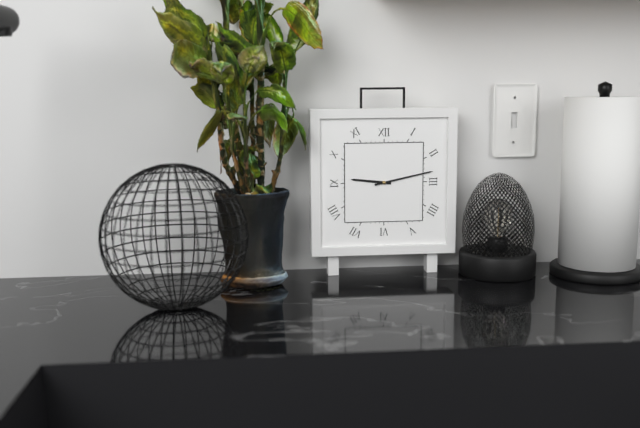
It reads {"hour": 9, "minute": 13}
